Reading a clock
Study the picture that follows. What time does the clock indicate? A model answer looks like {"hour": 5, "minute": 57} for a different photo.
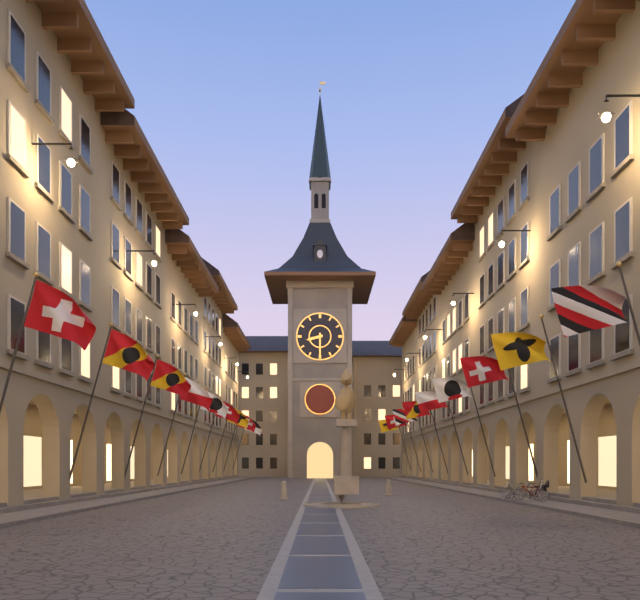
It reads {"hour": 8, "minute": 30}
